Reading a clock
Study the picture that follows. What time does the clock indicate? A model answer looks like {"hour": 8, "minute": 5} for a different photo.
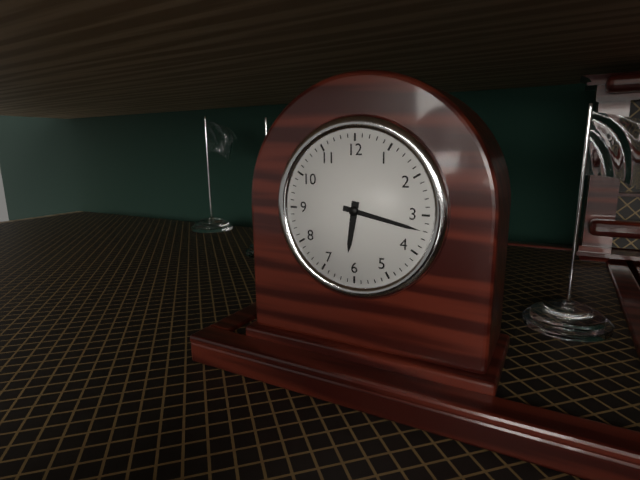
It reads {"hour": 6, "minute": 17}
